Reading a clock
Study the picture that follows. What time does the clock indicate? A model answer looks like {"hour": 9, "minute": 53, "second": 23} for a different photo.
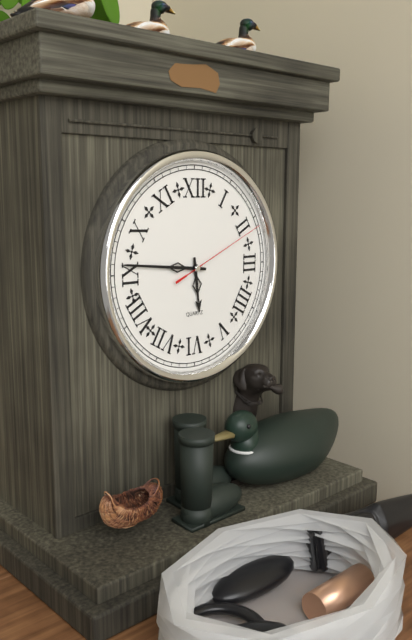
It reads {"hour": 5, "minute": 46, "second": 11}
